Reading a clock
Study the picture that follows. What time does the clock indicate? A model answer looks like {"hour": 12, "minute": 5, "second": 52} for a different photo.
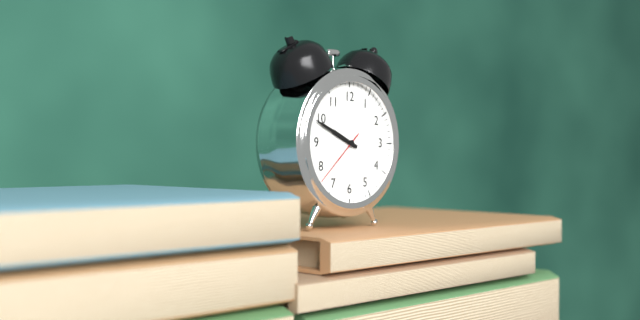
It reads {"hour": 9, "minute": 49, "second": 38}
